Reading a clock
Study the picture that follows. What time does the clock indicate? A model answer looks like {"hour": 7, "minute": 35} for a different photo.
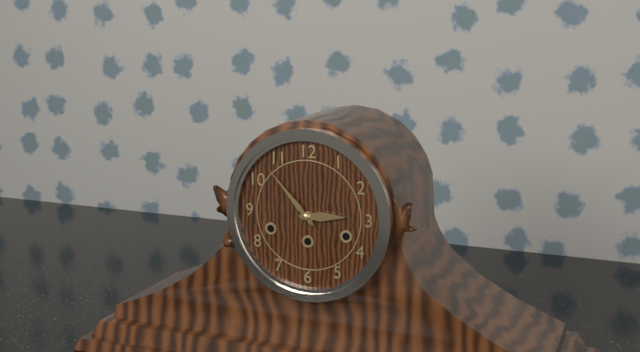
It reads {"hour": 2, "minute": 53}
